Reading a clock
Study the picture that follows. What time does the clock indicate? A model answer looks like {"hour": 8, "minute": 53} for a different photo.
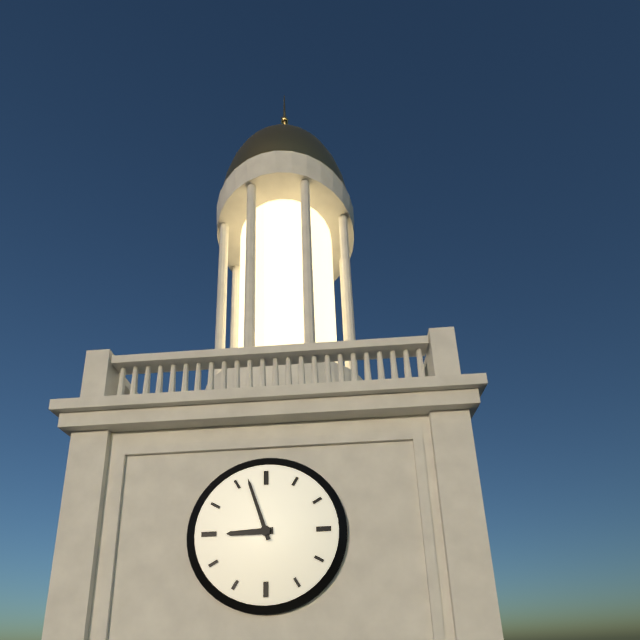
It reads {"hour": 8, "minute": 57}
